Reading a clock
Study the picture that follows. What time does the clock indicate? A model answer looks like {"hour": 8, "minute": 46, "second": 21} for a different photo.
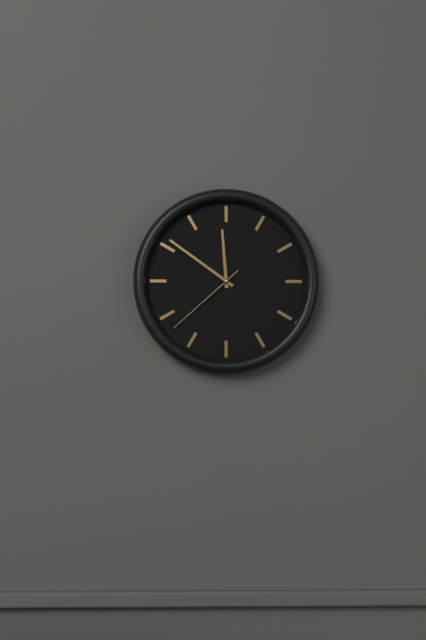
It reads {"hour": 11, "minute": 51, "second": 38}
